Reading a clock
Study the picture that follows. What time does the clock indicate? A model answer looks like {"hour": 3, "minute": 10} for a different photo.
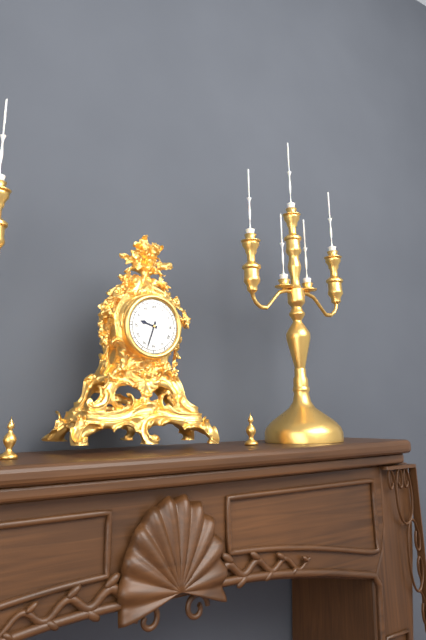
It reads {"hour": 9, "minute": 33}
